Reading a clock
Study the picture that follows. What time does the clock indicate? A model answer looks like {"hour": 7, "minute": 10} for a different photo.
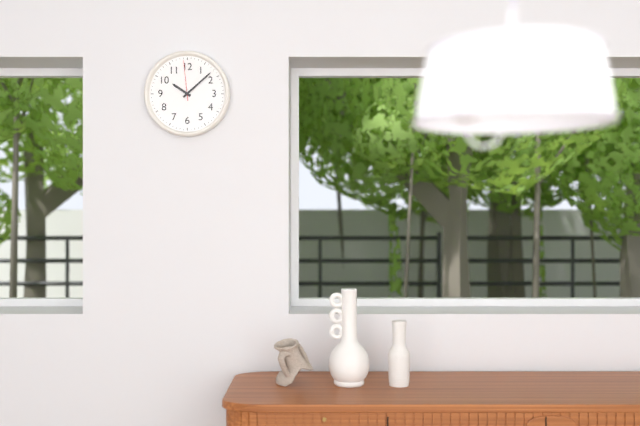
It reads {"hour": 10, "minute": 8}
